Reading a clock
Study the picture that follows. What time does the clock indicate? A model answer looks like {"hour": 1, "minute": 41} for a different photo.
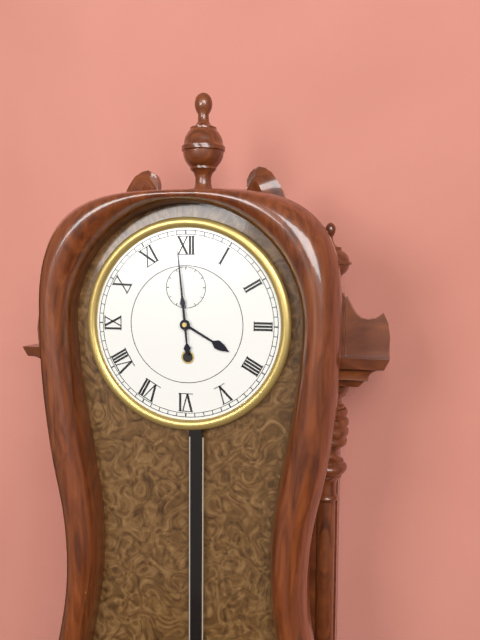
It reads {"hour": 3, "minute": 59}
